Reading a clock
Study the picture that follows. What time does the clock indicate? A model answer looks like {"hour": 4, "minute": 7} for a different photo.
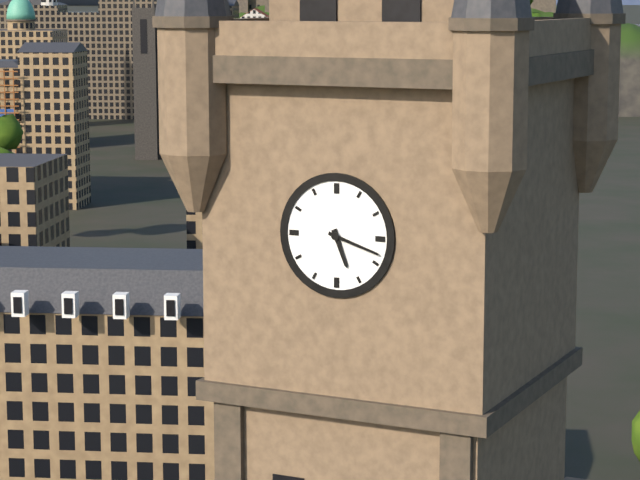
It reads {"hour": 5, "minute": 18}
